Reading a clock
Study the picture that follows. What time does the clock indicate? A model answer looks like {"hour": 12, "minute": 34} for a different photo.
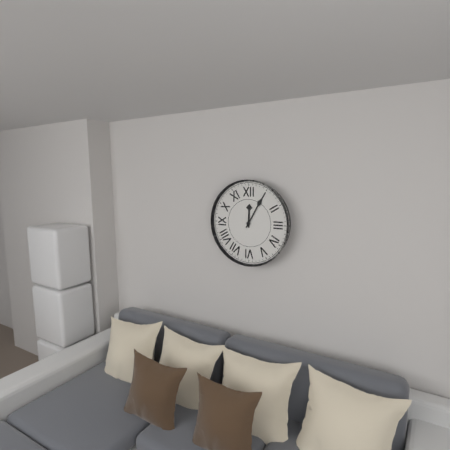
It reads {"hour": 12, "minute": 5}
